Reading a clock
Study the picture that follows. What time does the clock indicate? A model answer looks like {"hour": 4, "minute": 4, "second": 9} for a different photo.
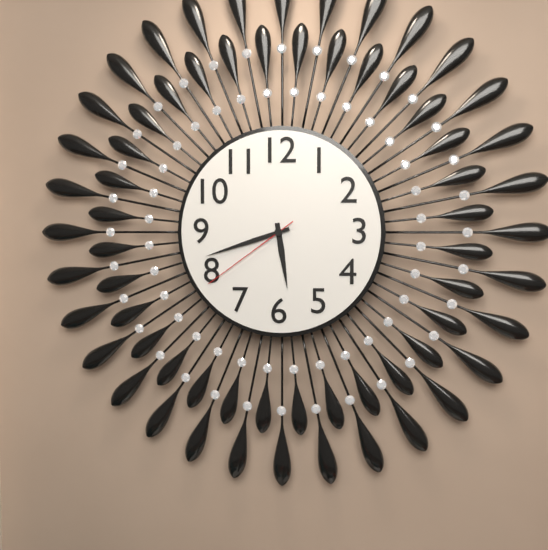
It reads {"hour": 5, "minute": 42, "second": 39}
